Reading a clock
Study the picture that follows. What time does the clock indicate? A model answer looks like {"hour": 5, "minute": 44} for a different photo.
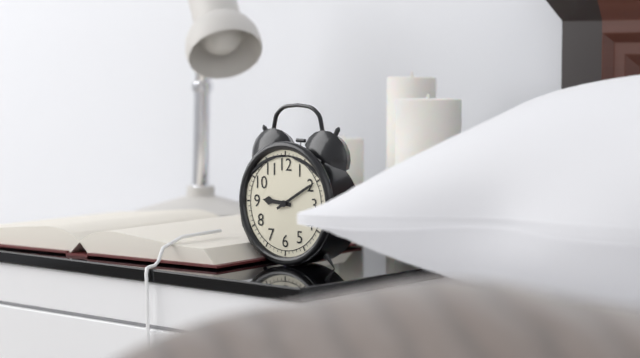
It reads {"hour": 9, "minute": 10}
